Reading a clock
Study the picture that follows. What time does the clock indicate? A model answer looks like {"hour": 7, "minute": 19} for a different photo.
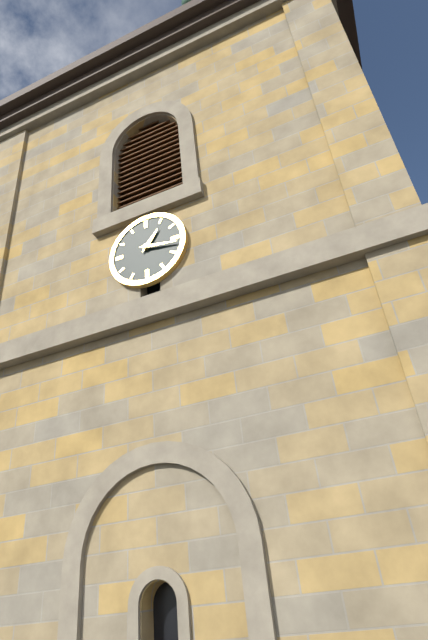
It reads {"hour": 1, "minute": 17}
